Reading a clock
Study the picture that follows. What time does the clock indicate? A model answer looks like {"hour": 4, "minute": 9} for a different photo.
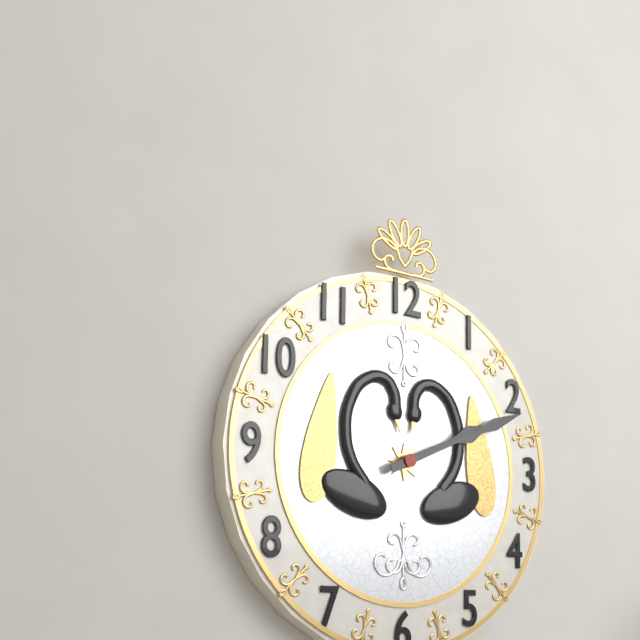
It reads {"hour": 2, "minute": 11}
